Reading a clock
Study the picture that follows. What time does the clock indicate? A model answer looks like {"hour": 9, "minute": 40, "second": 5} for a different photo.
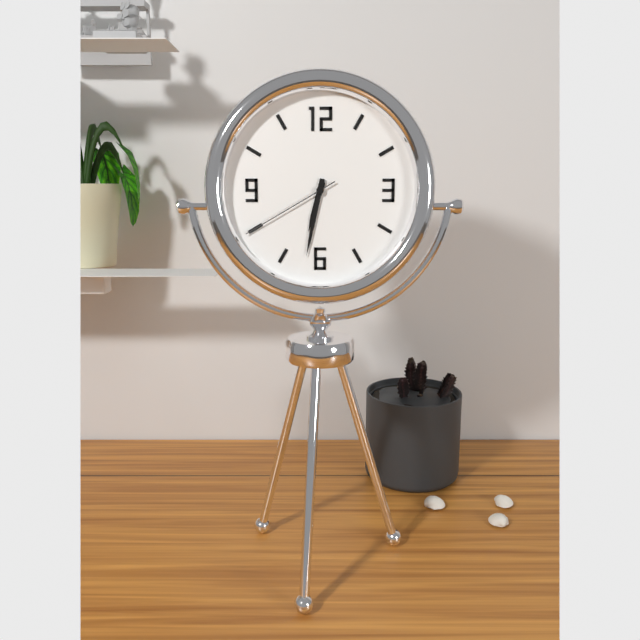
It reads {"hour": 6, "minute": 32, "second": 40}
